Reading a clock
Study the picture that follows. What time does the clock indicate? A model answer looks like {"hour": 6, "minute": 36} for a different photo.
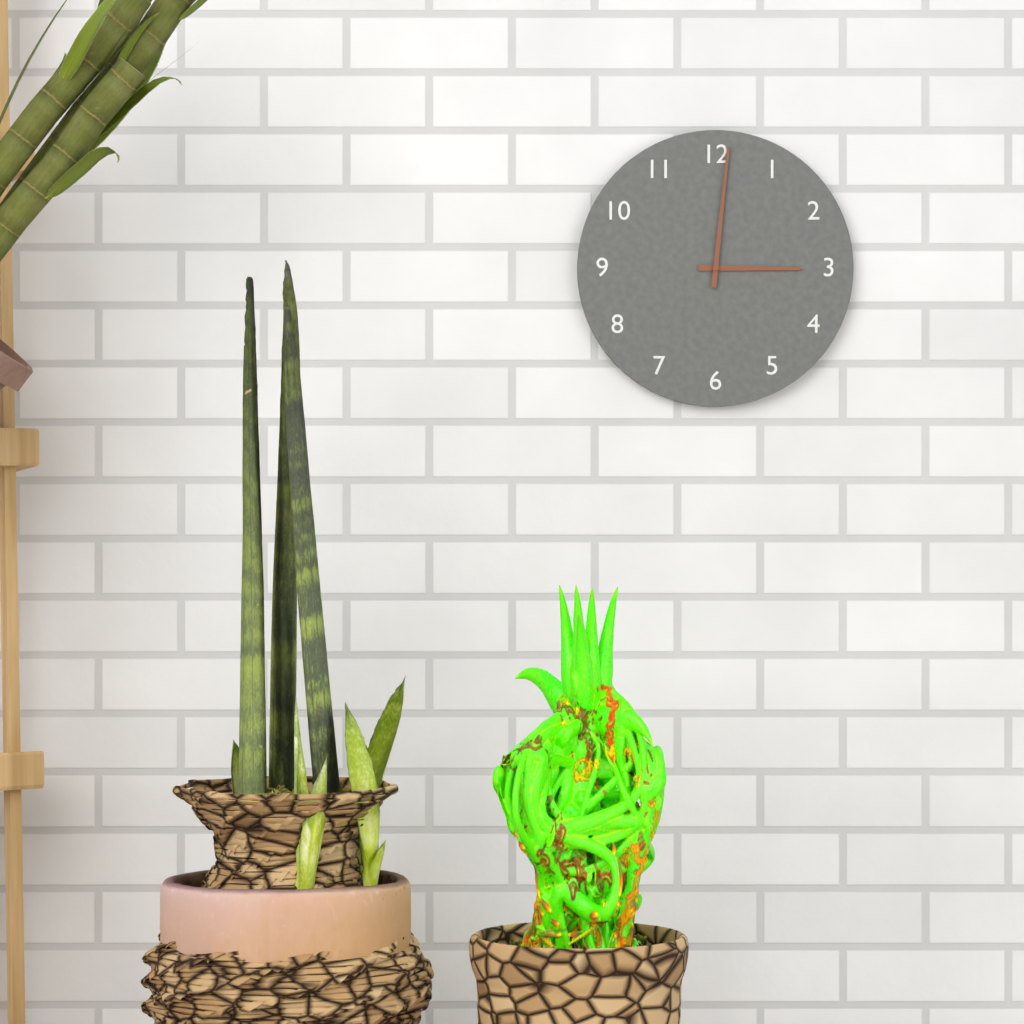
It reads {"hour": 3, "minute": 1}
